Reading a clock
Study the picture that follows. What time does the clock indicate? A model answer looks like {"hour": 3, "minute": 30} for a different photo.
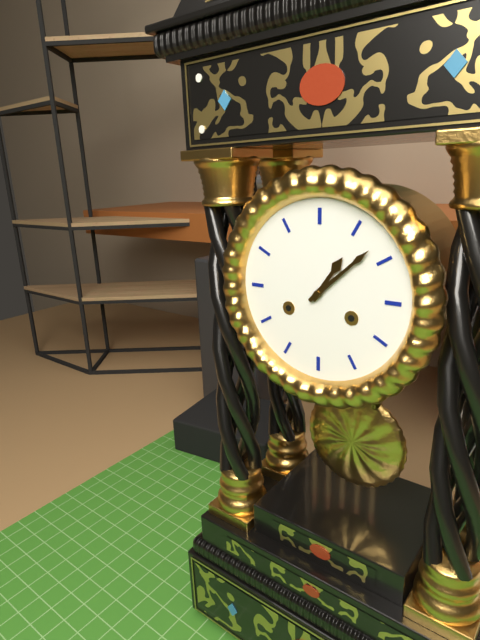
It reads {"hour": 1, "minute": 8}
